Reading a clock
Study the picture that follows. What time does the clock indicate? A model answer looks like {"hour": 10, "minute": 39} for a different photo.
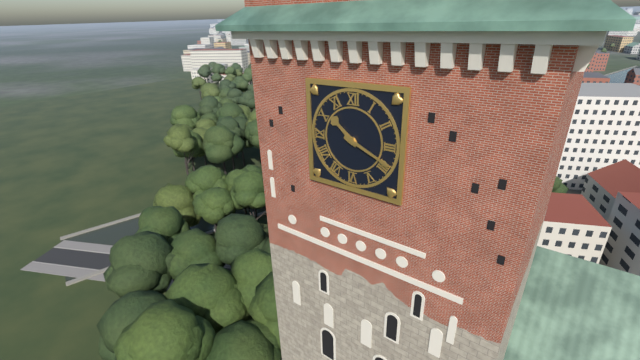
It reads {"hour": 10, "minute": 19}
